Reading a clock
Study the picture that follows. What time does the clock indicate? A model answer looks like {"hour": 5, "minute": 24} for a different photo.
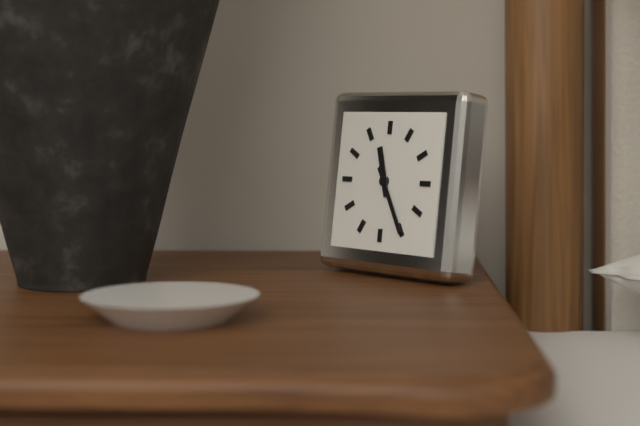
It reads {"hour": 11, "minute": 25}
